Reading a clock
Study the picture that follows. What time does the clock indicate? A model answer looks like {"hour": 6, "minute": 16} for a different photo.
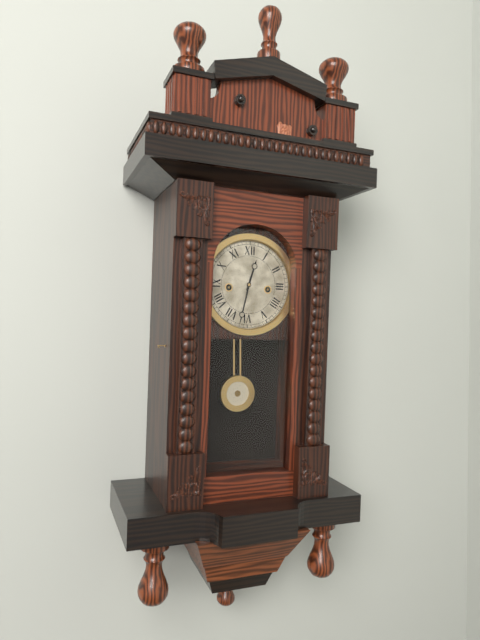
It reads {"hour": 12, "minute": 32}
